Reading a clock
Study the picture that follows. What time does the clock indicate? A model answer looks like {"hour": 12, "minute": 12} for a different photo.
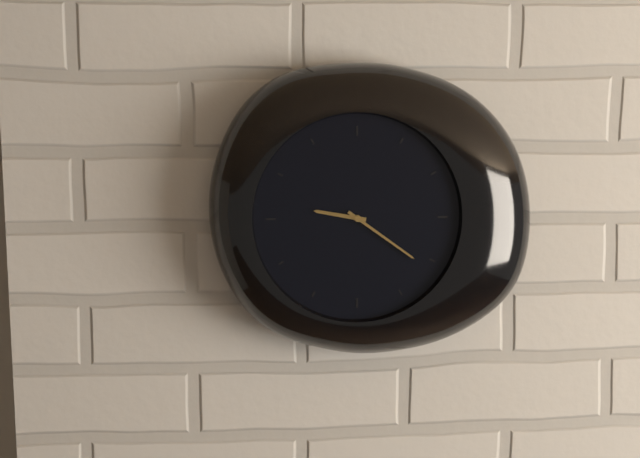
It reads {"hour": 9, "minute": 21}
